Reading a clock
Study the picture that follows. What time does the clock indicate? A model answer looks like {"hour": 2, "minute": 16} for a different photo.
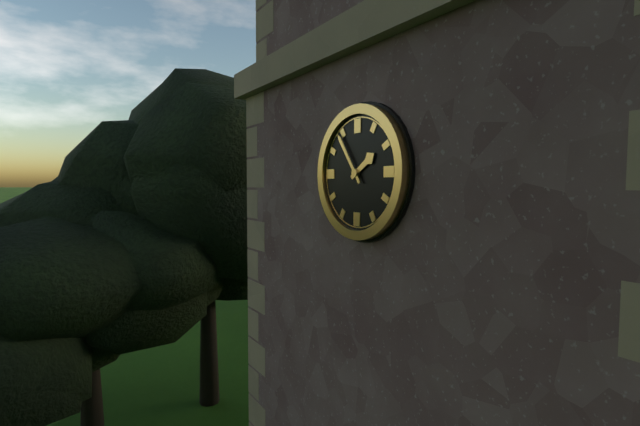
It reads {"hour": 1, "minute": 54}
